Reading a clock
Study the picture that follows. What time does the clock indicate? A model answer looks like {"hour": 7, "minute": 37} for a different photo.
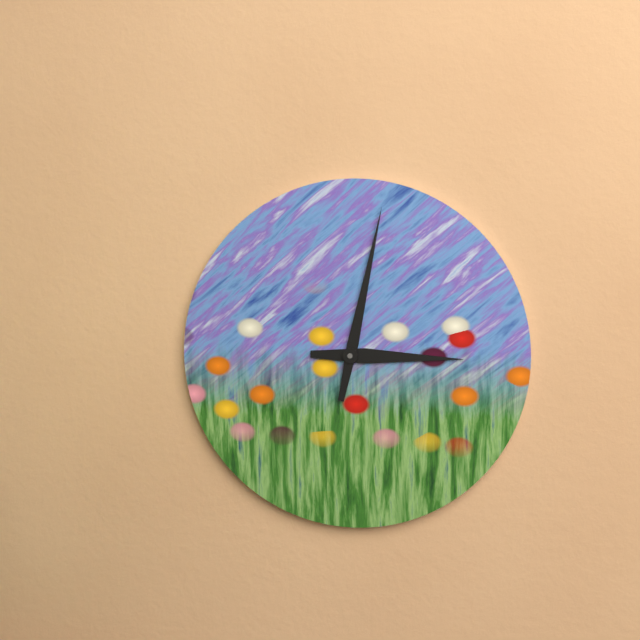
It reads {"hour": 3, "minute": 2}
